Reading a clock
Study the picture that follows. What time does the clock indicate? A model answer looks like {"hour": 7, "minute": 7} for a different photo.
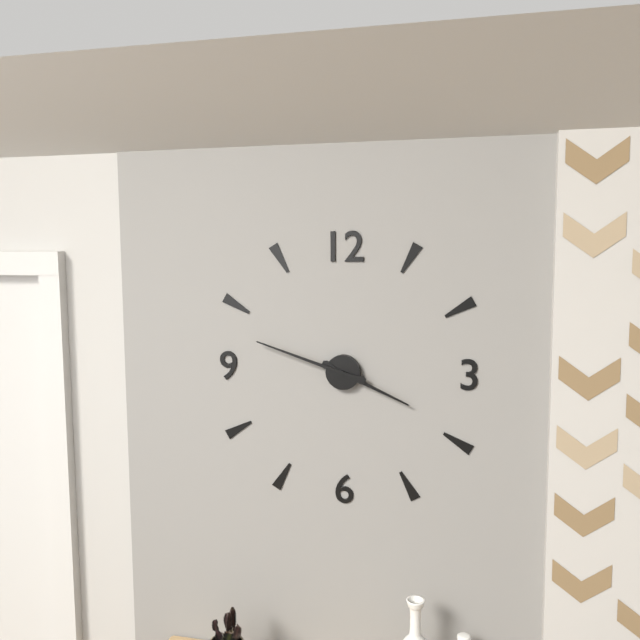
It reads {"hour": 3, "minute": 48}
